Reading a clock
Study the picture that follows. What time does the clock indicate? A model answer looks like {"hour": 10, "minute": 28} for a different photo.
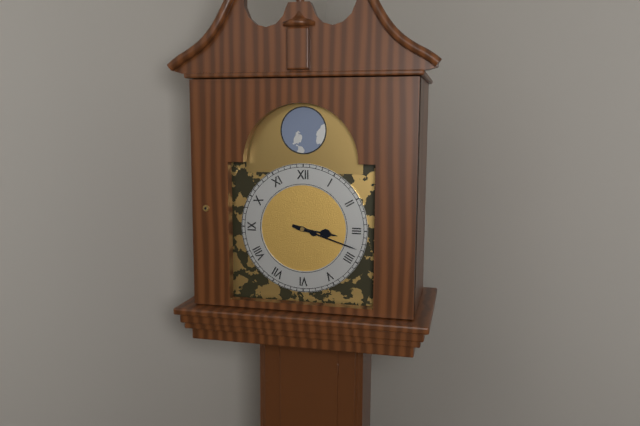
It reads {"hour": 3, "minute": 18}
